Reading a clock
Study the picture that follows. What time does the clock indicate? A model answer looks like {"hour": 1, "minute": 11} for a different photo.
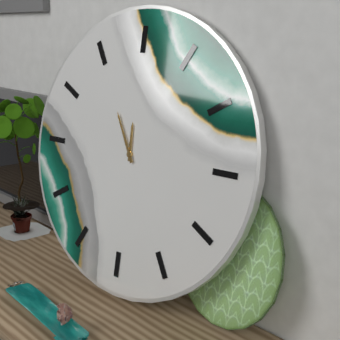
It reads {"hour": 11, "minute": 55}
